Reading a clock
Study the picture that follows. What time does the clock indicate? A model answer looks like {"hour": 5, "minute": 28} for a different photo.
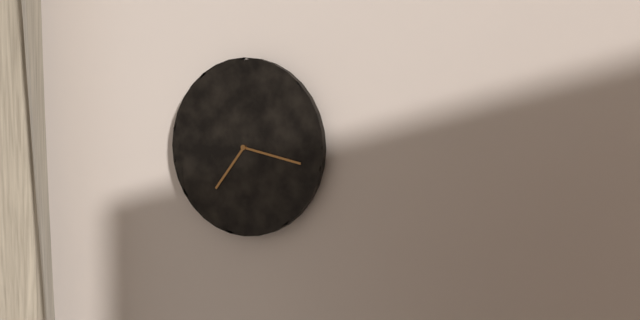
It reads {"hour": 7, "minute": 17}
